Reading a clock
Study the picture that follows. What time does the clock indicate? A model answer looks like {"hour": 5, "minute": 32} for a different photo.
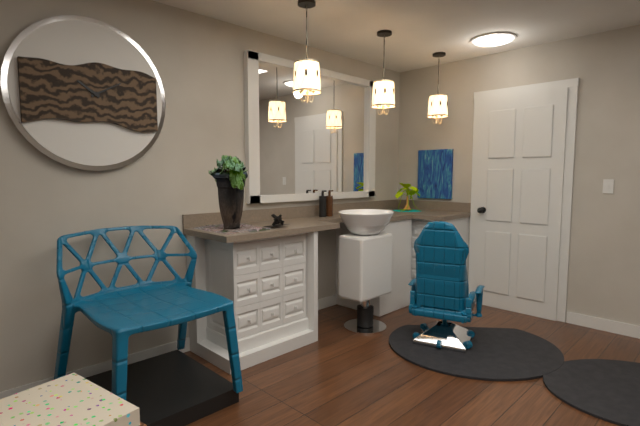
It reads {"hour": 10, "minute": 10}
